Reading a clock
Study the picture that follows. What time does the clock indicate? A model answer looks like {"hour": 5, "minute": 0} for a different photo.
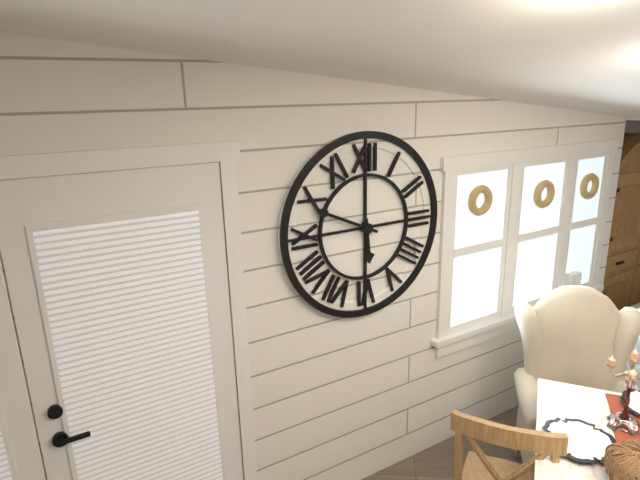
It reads {"hour": 5, "minute": 49}
